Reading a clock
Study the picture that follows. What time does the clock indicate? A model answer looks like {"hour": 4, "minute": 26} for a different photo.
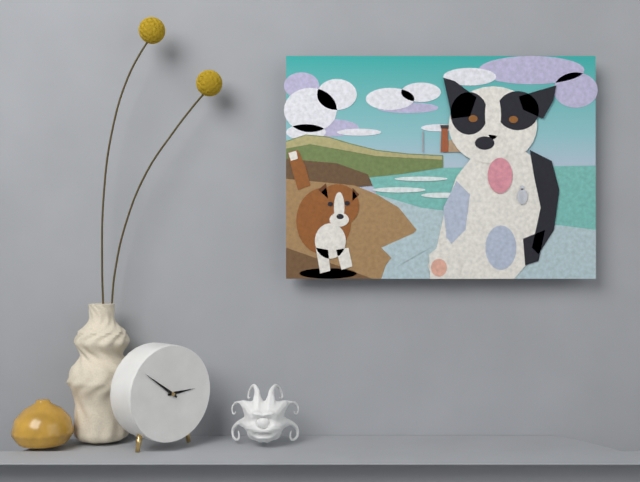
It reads {"hour": 2, "minute": 51}
